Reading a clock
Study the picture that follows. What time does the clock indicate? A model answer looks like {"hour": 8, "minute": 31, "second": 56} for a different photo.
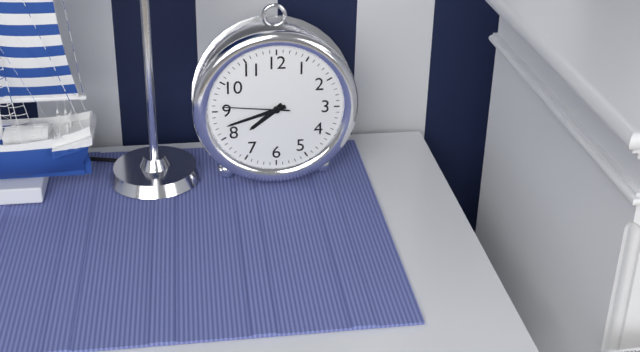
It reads {"hour": 7, "minute": 42, "second": 46}
